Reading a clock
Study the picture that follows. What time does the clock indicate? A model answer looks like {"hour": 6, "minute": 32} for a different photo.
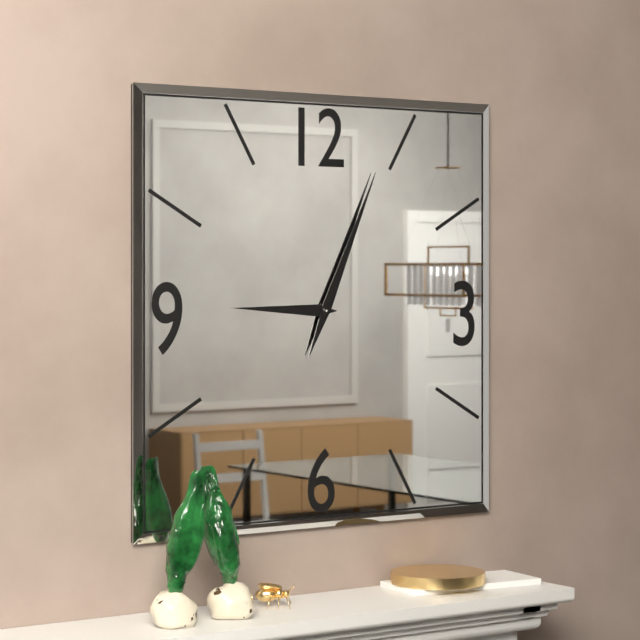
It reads {"hour": 9, "minute": 4}
